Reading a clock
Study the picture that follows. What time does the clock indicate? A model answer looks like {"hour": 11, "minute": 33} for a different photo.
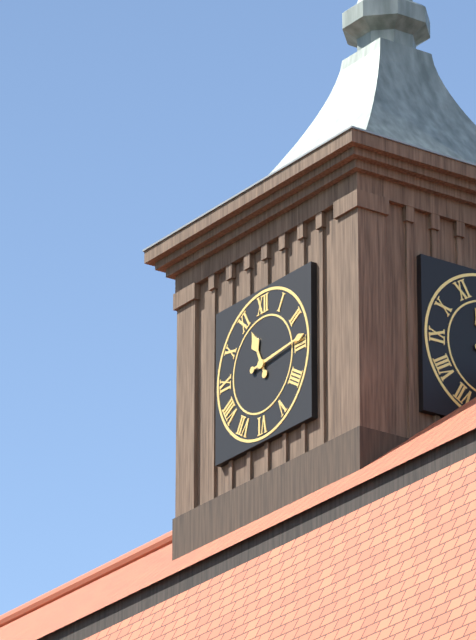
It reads {"hour": 11, "minute": 14}
